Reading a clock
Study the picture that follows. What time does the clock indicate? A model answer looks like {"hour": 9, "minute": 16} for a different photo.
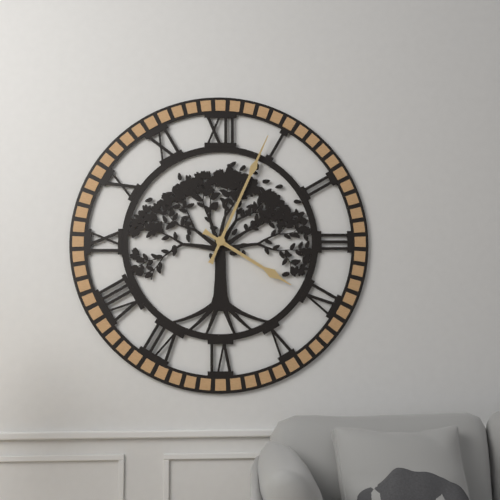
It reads {"hour": 4, "minute": 4}
